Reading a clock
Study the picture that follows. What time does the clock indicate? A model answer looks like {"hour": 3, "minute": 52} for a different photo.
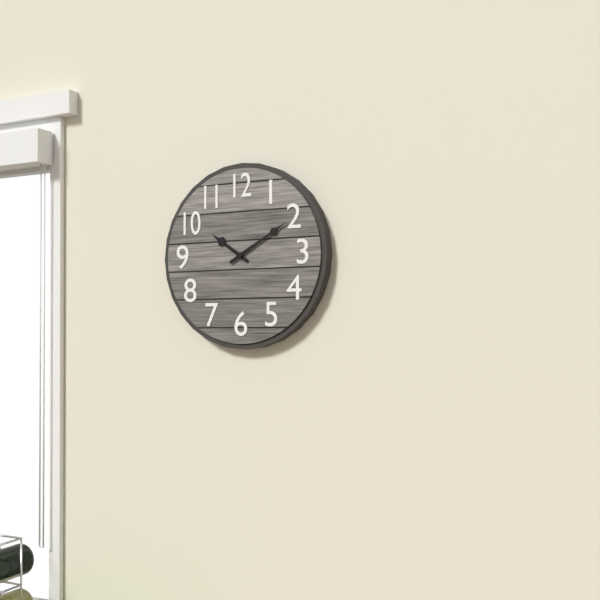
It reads {"hour": 10, "minute": 10}
